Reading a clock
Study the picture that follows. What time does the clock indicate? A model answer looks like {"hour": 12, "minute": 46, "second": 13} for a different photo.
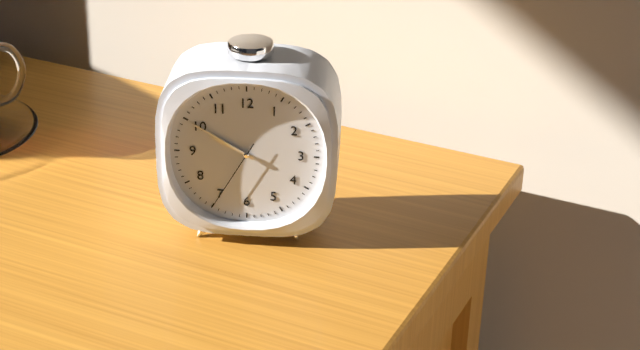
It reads {"hour": 9, "minute": 50, "second": 35}
